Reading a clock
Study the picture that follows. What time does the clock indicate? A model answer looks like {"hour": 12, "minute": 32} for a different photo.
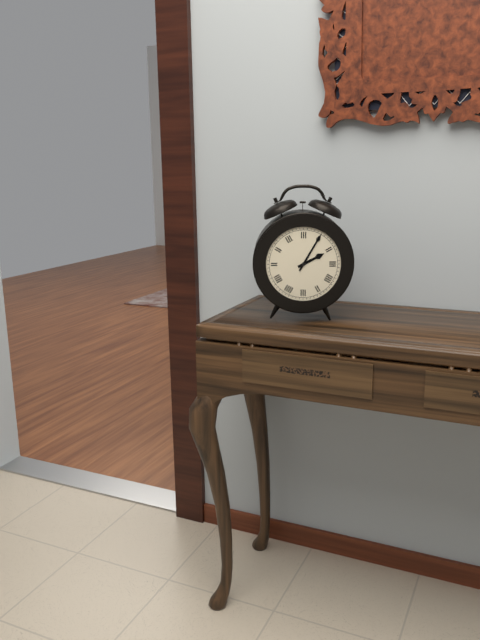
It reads {"hour": 2, "minute": 5}
